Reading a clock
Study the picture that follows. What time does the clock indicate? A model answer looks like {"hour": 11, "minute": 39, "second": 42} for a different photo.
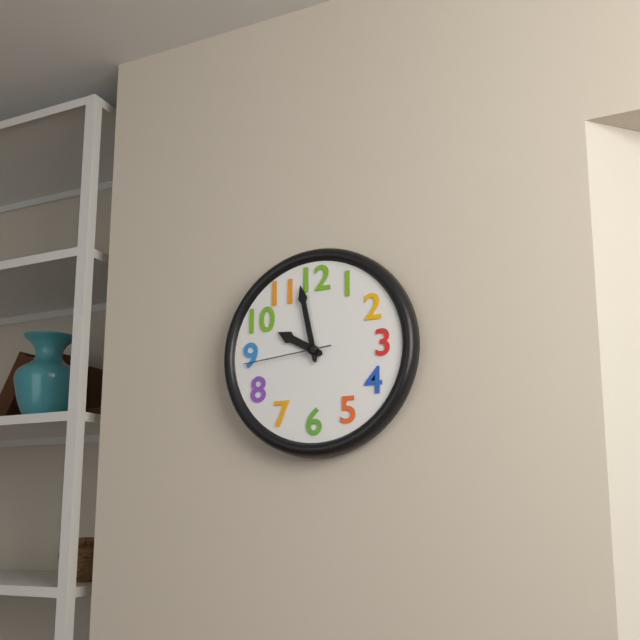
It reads {"hour": 9, "minute": 58, "second": 44}
